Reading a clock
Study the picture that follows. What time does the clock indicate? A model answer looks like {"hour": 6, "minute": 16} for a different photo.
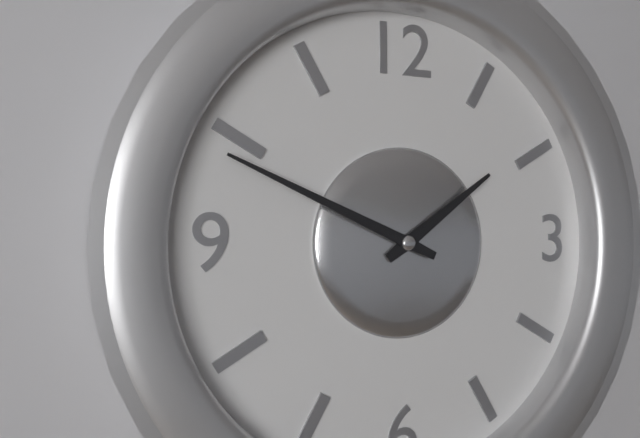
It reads {"hour": 1, "minute": 49}
